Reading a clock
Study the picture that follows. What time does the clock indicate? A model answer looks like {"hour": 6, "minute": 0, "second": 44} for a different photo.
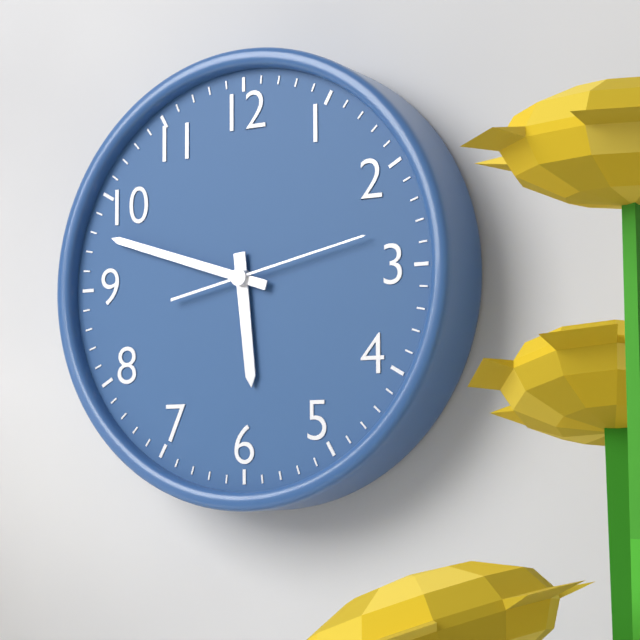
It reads {"hour": 5, "minute": 48, "second": 13}
